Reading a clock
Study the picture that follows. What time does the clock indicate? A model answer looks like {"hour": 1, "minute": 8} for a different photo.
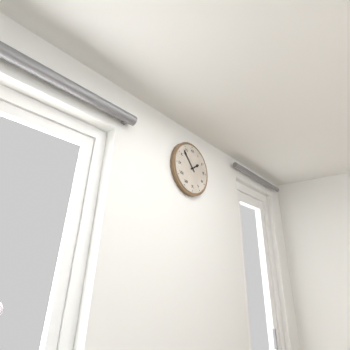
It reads {"hour": 1, "minute": 53}
